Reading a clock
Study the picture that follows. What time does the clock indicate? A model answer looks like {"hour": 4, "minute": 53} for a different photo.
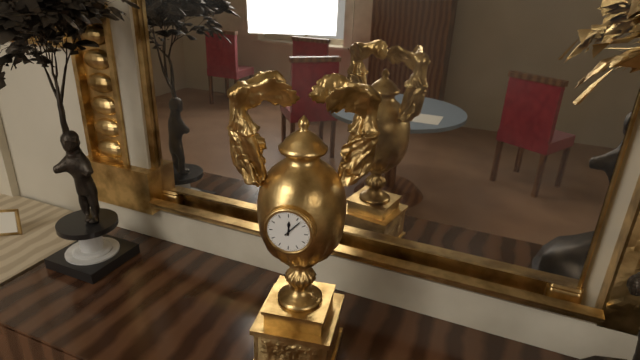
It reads {"hour": 12, "minute": 7}
